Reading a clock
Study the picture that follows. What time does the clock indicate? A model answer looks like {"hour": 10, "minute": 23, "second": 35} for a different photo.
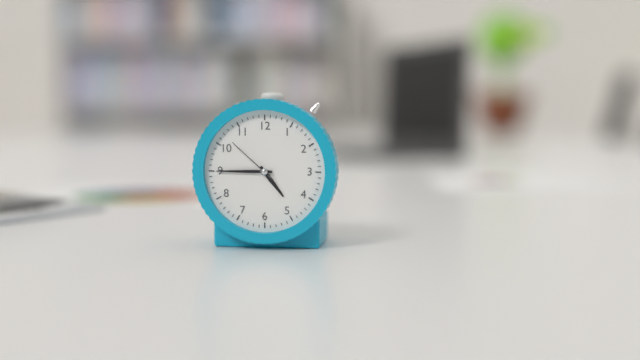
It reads {"hour": 4, "minute": 45, "second": 52}
